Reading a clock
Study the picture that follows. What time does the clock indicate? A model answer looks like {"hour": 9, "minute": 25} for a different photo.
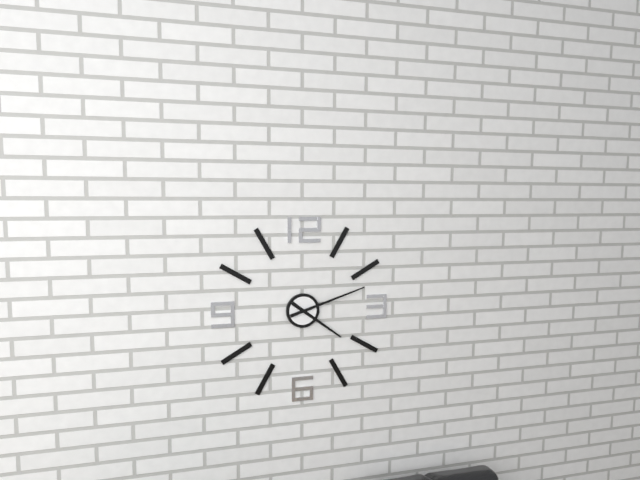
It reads {"hour": 4, "minute": 12}
